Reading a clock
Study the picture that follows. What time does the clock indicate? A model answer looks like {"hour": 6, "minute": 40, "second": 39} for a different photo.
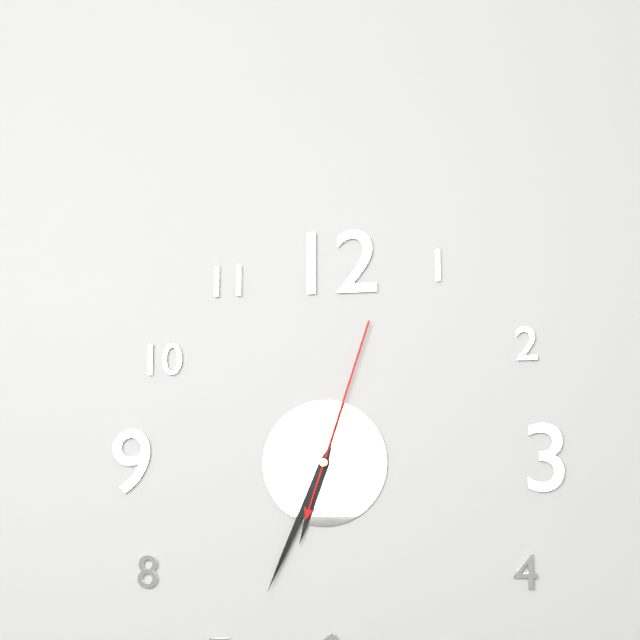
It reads {"hour": 6, "minute": 34, "second": 3}
